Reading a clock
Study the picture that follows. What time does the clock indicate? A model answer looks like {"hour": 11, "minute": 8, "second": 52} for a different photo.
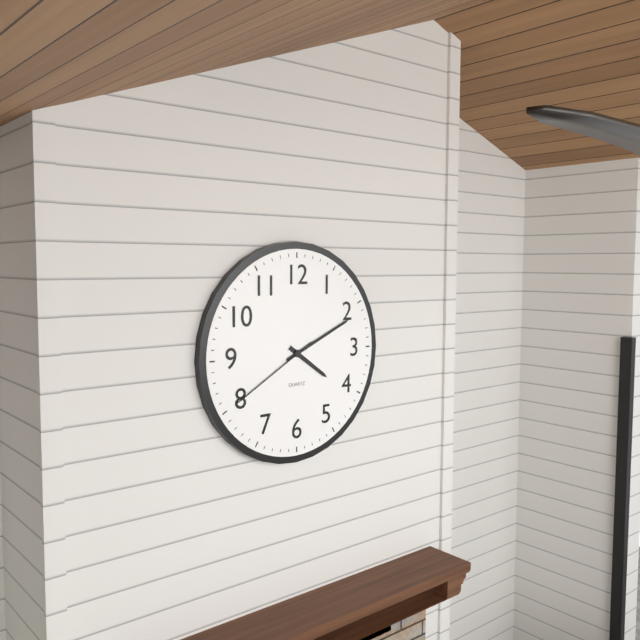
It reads {"hour": 4, "minute": 11, "second": 40}
